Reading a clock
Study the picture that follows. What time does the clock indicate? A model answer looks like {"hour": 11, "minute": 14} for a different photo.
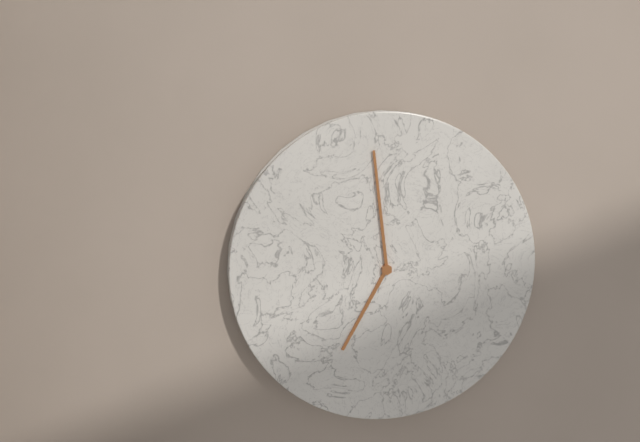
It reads {"hour": 6, "minute": 59}
